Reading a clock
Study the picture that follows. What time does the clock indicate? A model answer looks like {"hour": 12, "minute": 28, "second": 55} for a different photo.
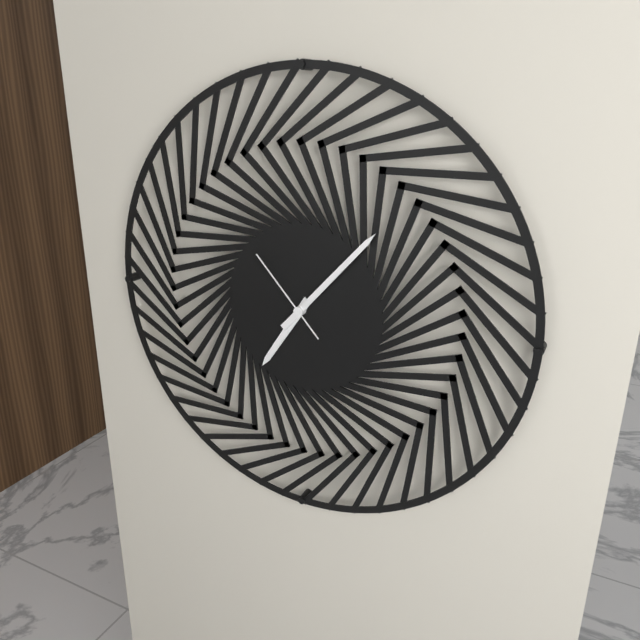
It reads {"hour": 7, "minute": 7, "second": 53}
